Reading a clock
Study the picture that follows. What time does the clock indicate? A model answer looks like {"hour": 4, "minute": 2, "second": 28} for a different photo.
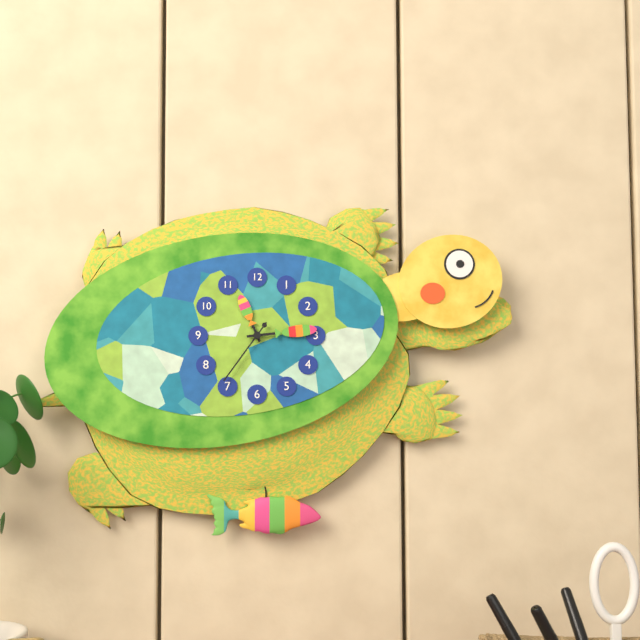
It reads {"hour": 11, "minute": 14, "second": 36}
